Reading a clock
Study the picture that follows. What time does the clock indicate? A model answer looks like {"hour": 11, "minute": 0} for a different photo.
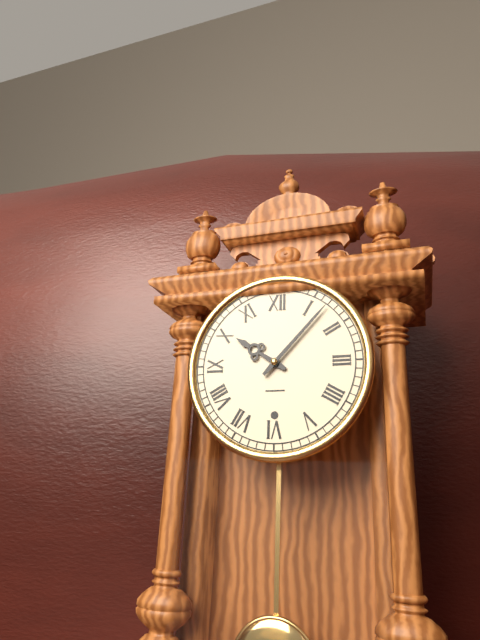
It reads {"hour": 10, "minute": 7}
